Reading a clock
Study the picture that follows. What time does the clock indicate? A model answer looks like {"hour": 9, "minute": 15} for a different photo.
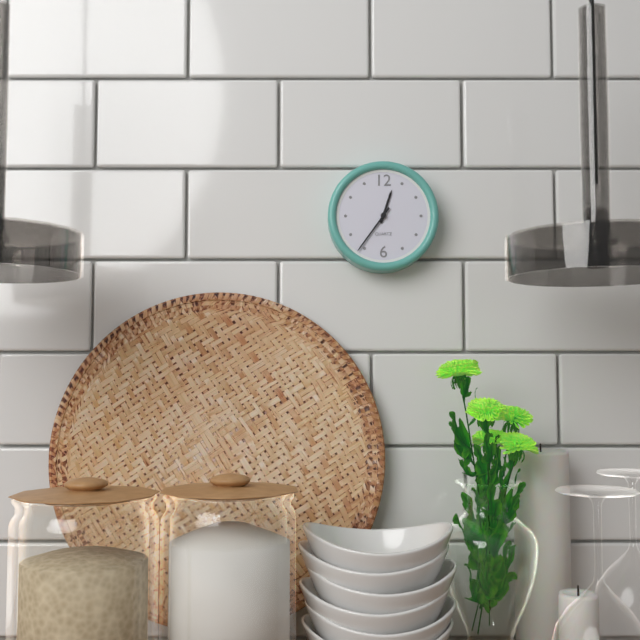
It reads {"hour": 12, "minute": 36}
